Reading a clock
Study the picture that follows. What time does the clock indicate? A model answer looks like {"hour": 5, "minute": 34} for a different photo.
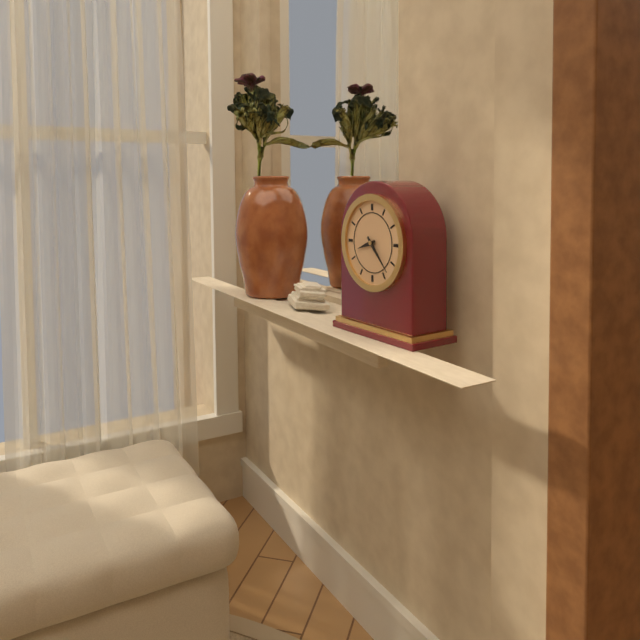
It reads {"hour": 8, "minute": 23}
